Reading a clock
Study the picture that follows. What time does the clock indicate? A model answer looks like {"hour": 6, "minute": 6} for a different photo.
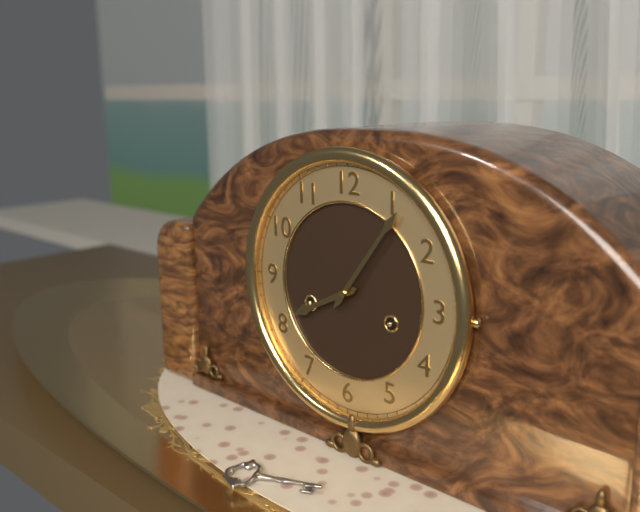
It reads {"hour": 8, "minute": 6}
